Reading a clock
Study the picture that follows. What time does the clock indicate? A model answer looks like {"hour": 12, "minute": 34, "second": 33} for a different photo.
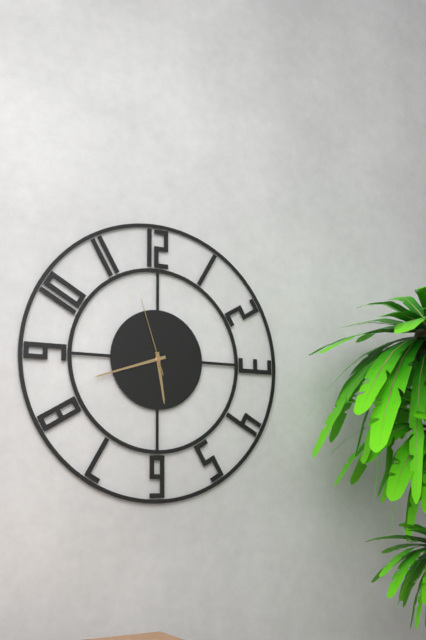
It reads {"hour": 5, "minute": 42, "second": 57}
